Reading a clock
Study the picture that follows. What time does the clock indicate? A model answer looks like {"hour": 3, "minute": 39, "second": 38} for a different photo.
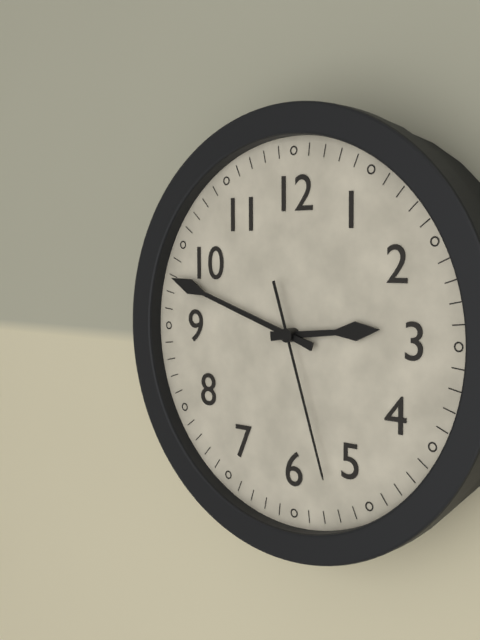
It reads {"hour": 2, "minute": 48, "second": 27}
